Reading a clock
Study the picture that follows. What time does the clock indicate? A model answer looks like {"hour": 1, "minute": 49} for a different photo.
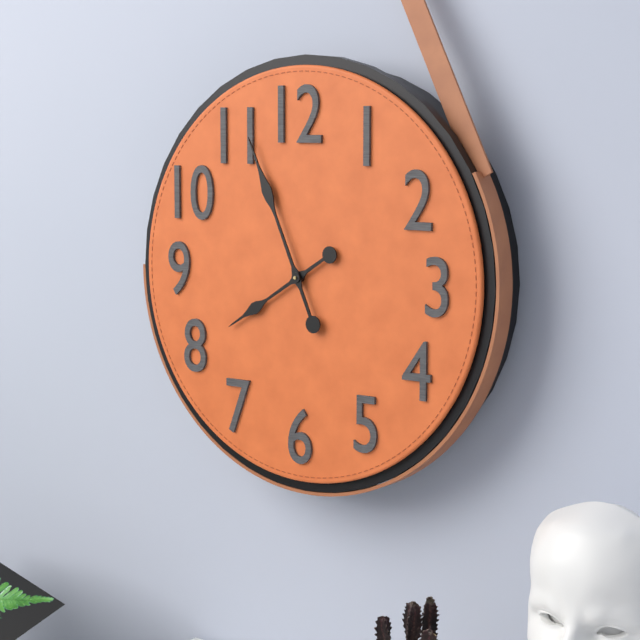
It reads {"hour": 7, "minute": 56}
